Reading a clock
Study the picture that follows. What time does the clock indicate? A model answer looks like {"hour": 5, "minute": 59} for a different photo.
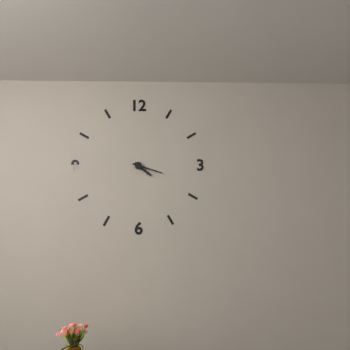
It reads {"hour": 4, "minute": 18}
